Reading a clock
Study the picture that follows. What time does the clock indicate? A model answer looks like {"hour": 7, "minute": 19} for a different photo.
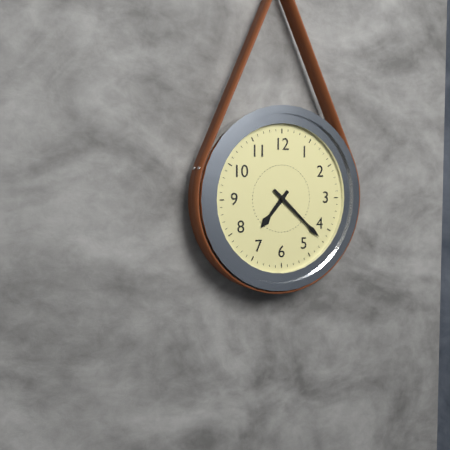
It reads {"hour": 7, "minute": 22}
